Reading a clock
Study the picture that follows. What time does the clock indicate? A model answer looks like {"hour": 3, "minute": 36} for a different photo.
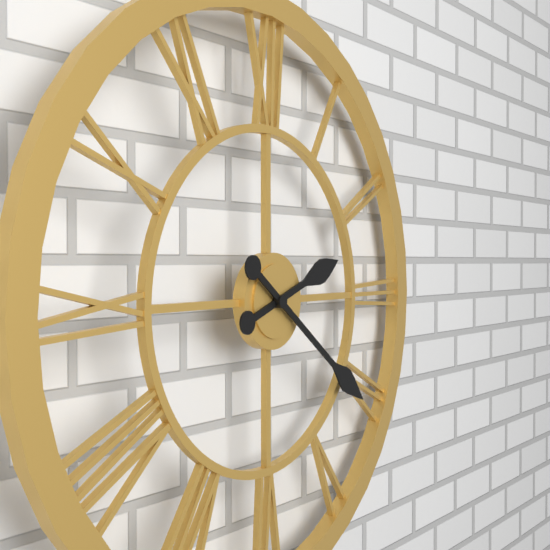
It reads {"hour": 2, "minute": 21}
